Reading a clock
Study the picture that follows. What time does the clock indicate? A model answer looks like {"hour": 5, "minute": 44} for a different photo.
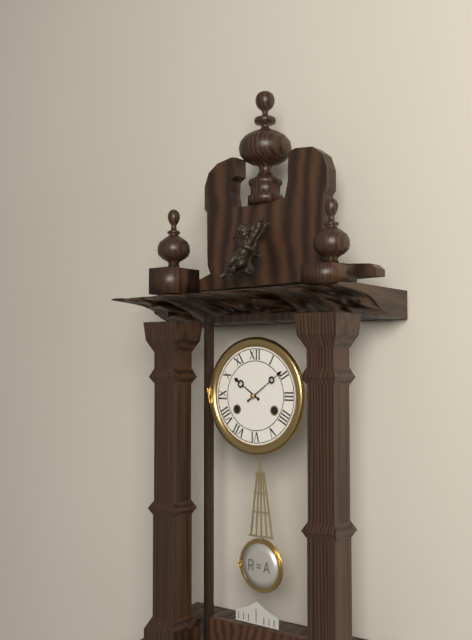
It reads {"hour": 10, "minute": 9}
